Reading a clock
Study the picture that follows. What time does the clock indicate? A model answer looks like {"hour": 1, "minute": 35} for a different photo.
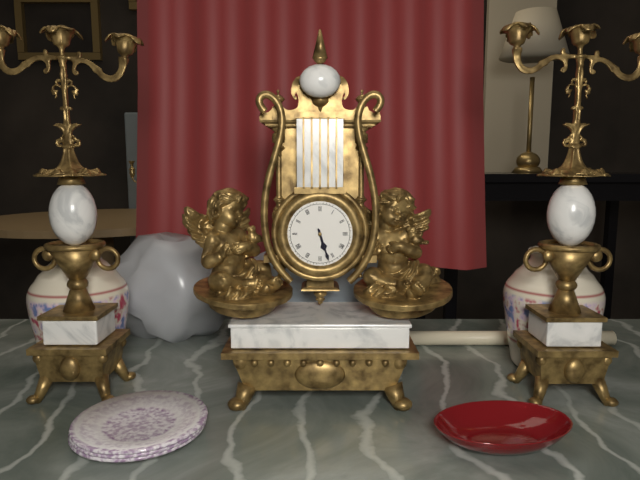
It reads {"hour": 5, "minute": 27}
